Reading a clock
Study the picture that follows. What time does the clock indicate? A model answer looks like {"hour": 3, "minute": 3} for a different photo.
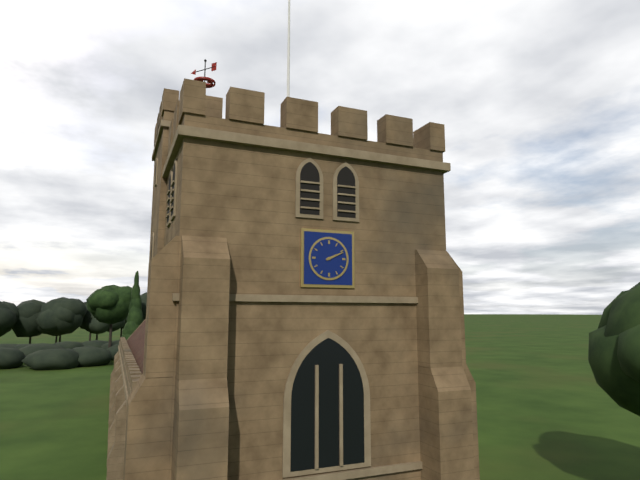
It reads {"hour": 2, "minute": 11}
